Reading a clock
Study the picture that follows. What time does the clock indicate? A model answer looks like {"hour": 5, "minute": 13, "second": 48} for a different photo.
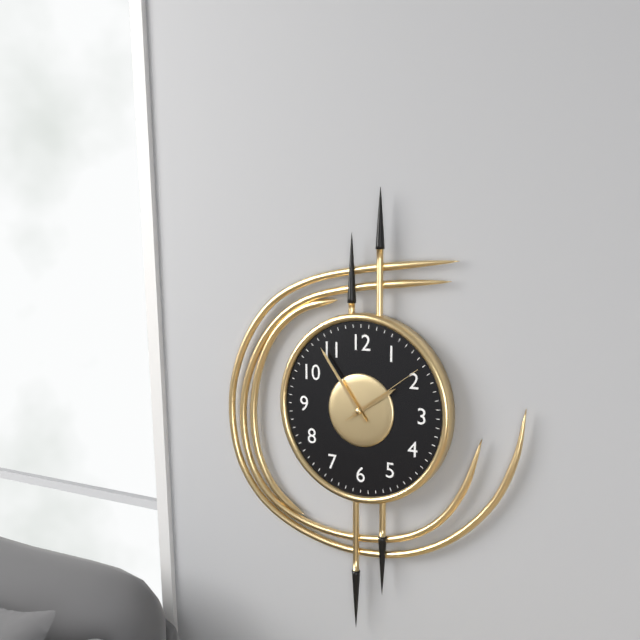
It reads {"hour": 1, "minute": 54, "second": 9}
